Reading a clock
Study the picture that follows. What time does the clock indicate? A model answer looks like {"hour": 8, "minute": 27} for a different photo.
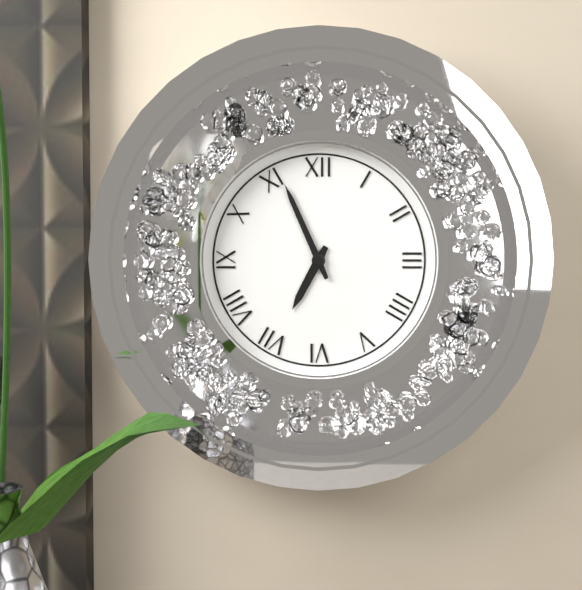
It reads {"hour": 6, "minute": 56}
